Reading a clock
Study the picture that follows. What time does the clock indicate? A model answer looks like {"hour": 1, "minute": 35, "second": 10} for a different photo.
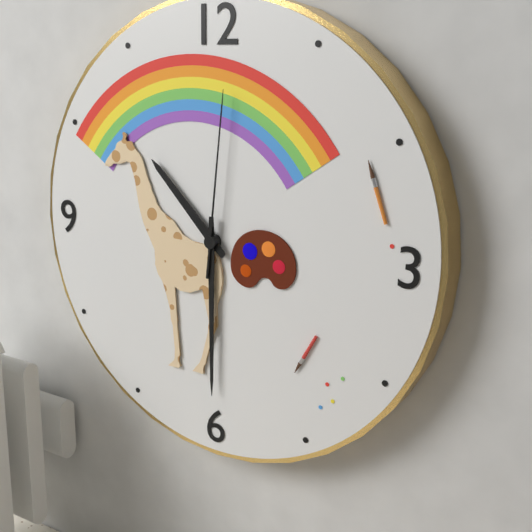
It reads {"hour": 10, "minute": 30, "second": 1}
